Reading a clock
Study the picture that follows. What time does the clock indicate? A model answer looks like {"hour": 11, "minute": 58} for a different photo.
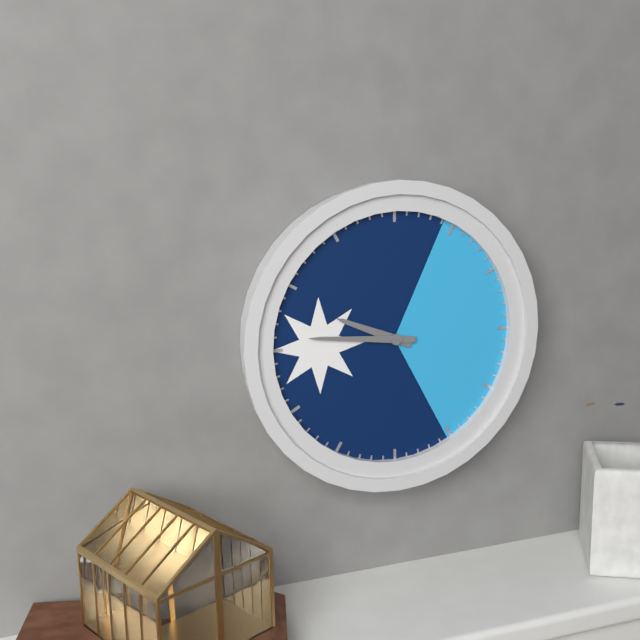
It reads {"hour": 9, "minute": 46}
